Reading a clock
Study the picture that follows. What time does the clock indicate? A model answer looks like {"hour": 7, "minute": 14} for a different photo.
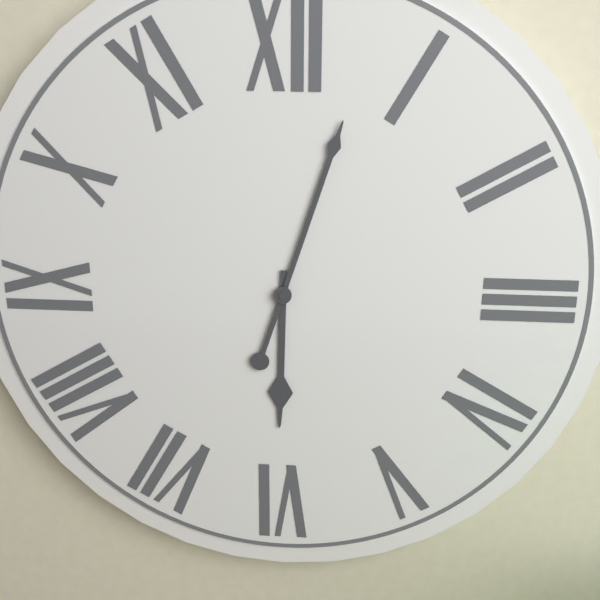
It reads {"hour": 6, "minute": 3}
